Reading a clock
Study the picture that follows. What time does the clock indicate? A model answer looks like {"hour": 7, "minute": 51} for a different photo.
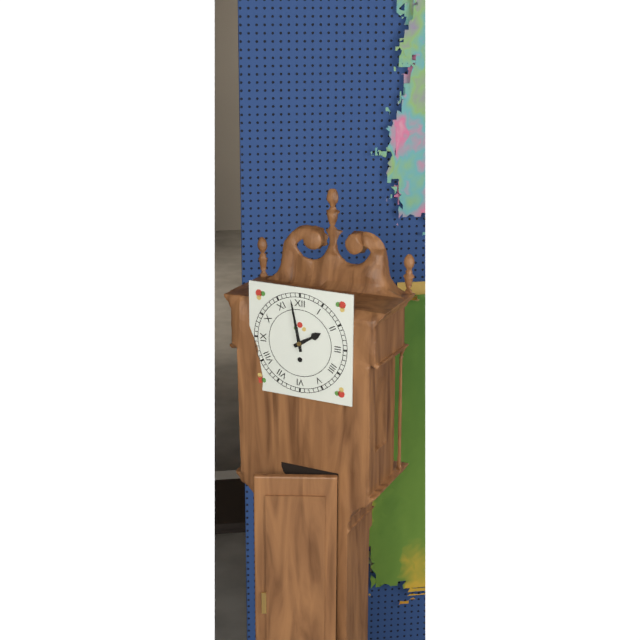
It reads {"hour": 1, "minute": 58}
